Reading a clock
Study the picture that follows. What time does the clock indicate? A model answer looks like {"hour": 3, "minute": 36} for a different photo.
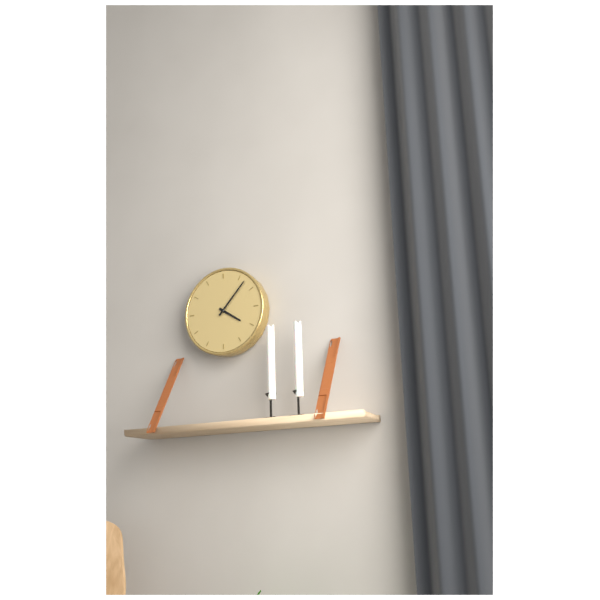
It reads {"hour": 4, "minute": 7}
